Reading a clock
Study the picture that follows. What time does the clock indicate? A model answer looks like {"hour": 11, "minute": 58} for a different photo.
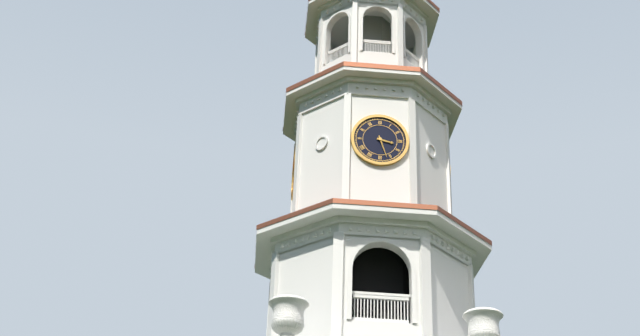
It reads {"hour": 3, "minute": 27}
